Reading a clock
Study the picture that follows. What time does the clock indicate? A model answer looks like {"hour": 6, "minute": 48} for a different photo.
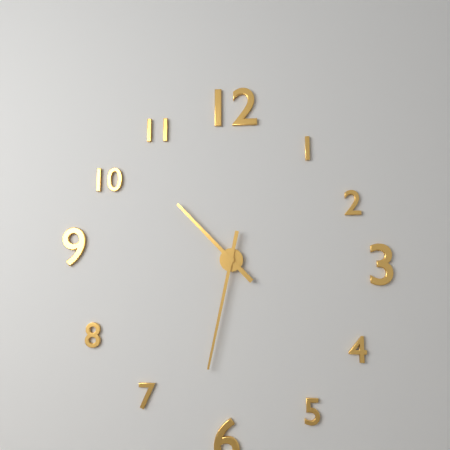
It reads {"hour": 10, "minute": 32}
